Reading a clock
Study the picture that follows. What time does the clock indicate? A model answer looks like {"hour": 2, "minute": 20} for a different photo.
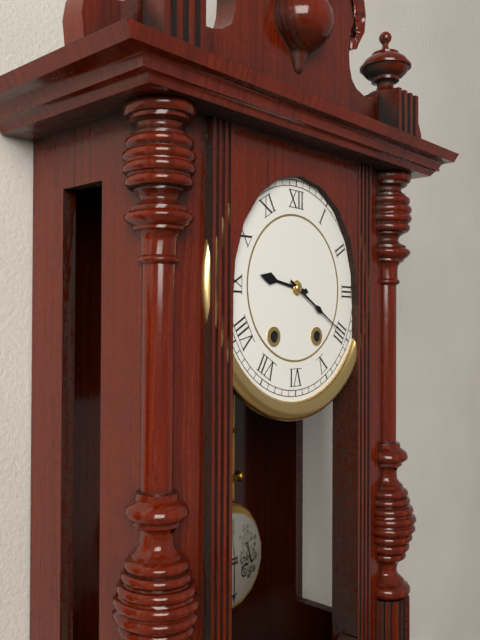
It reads {"hour": 9, "minute": 20}
